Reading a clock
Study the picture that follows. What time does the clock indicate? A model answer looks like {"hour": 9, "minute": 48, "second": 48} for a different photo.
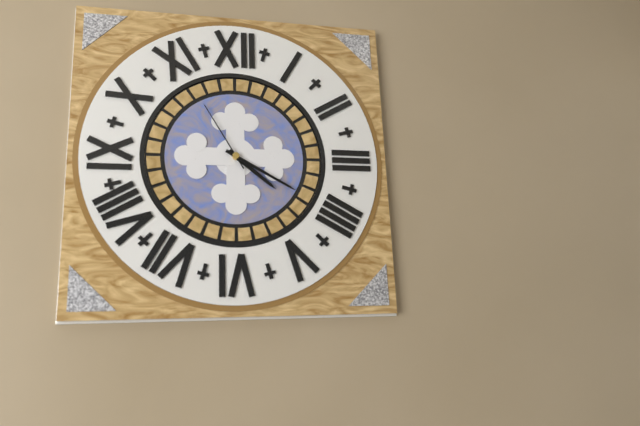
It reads {"hour": 4, "minute": 20, "second": 55}
